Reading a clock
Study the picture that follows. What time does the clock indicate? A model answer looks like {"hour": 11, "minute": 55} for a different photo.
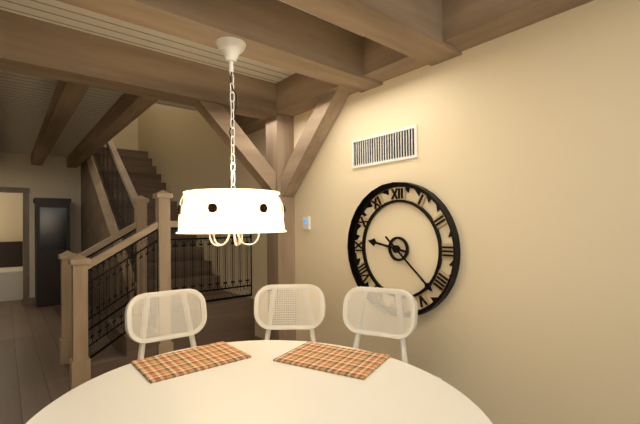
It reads {"hour": 9, "minute": 22}
